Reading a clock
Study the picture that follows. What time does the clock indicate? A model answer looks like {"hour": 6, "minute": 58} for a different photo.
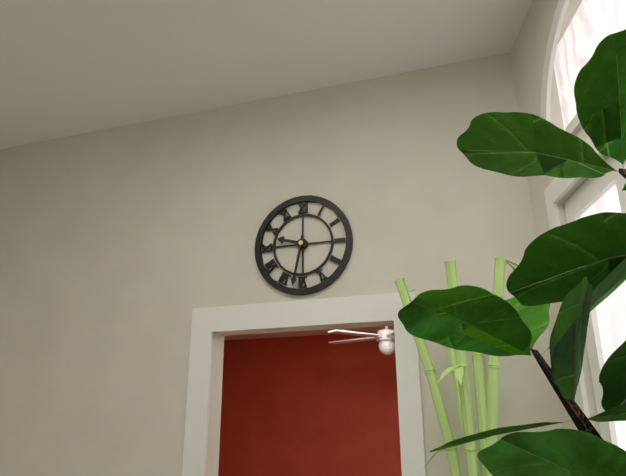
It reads {"hour": 9, "minute": 32}
